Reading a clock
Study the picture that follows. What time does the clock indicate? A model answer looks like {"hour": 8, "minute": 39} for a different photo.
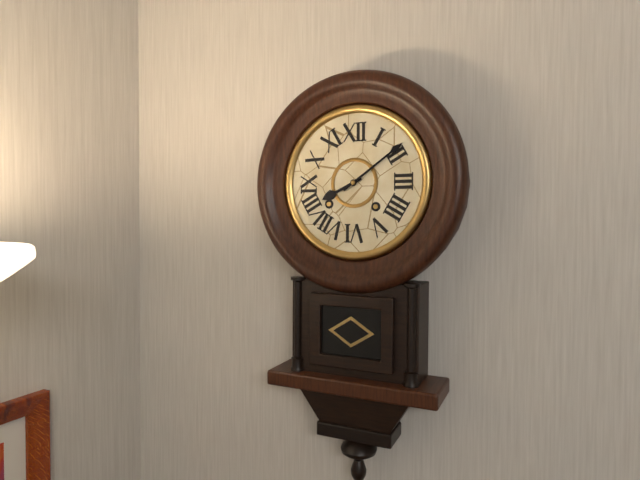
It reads {"hour": 8, "minute": 9}
